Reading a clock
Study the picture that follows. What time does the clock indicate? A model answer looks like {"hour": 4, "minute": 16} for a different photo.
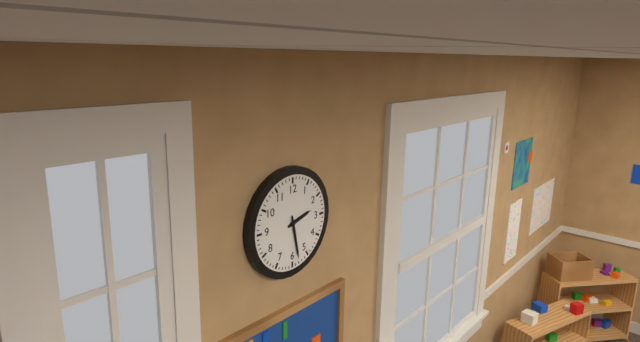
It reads {"hour": 2, "minute": 28}
